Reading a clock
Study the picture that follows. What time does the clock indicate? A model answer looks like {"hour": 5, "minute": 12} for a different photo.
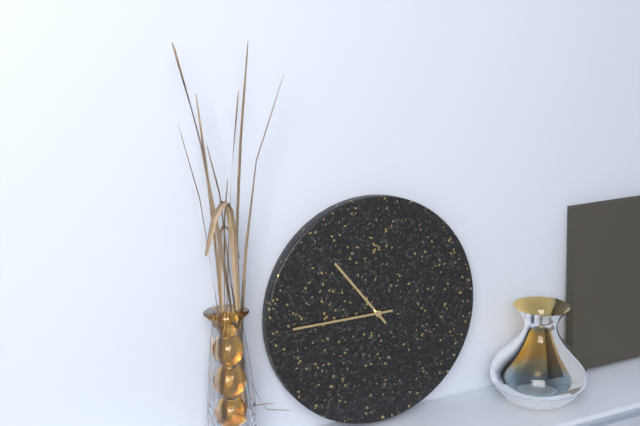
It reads {"hour": 10, "minute": 45}
